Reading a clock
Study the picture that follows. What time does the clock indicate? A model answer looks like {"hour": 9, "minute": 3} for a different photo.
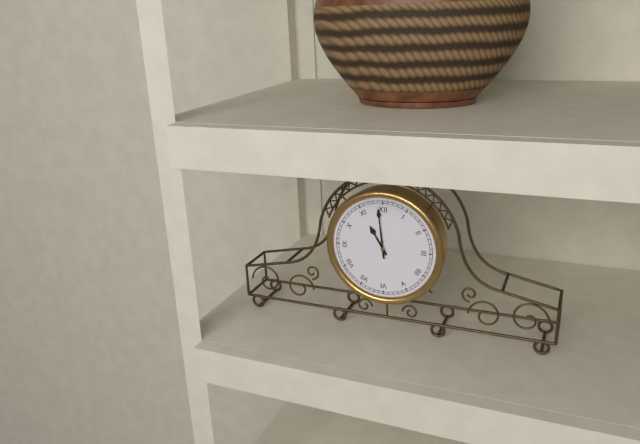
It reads {"hour": 10, "minute": 59}
